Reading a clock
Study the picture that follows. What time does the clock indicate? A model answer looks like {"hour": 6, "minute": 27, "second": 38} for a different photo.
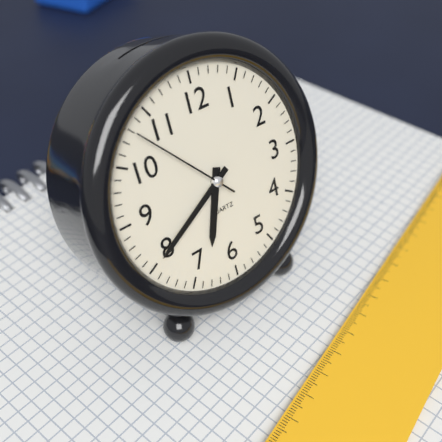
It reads {"hour": 6, "minute": 40, "second": 53}
